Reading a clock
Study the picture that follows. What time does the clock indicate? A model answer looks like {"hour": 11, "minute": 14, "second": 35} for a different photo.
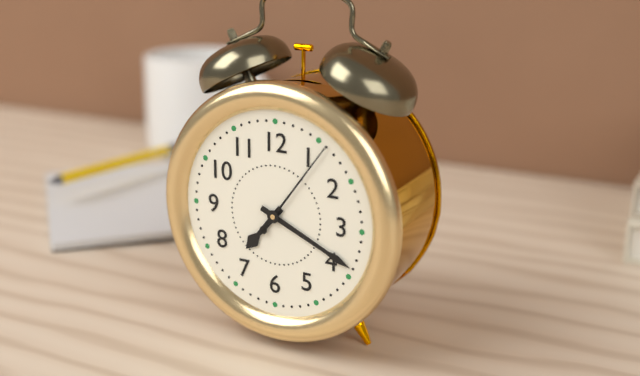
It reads {"hour": 7, "minute": 19, "second": 6}
